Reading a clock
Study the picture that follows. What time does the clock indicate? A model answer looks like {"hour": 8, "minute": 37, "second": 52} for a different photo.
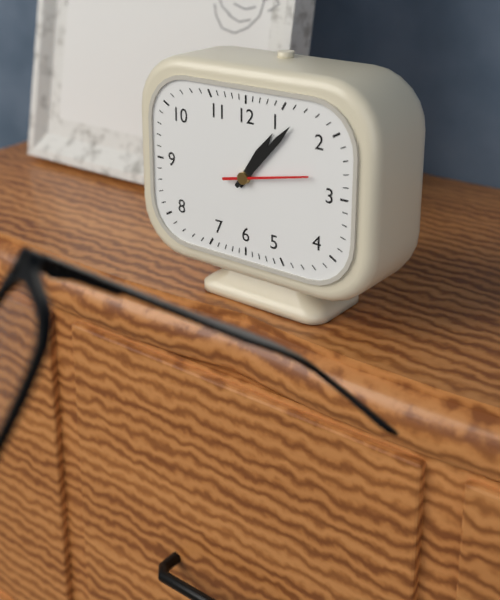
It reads {"hour": 1, "minute": 7, "second": 13}
